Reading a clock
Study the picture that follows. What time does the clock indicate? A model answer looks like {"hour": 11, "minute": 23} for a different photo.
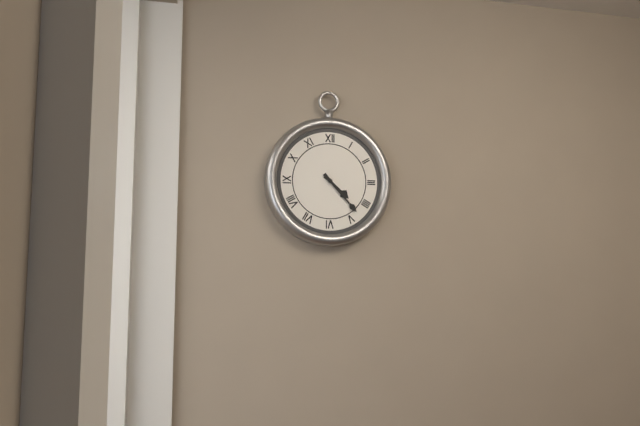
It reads {"hour": 4, "minute": 23}
